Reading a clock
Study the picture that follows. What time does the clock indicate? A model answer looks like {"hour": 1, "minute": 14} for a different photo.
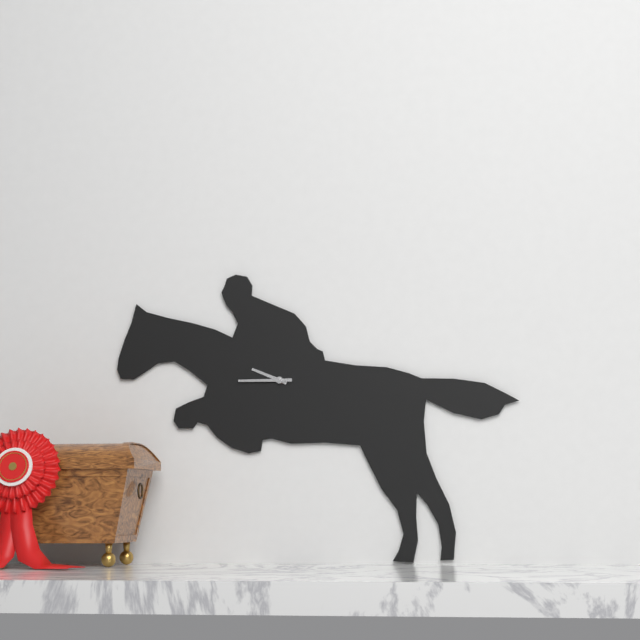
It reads {"hour": 9, "minute": 45}
